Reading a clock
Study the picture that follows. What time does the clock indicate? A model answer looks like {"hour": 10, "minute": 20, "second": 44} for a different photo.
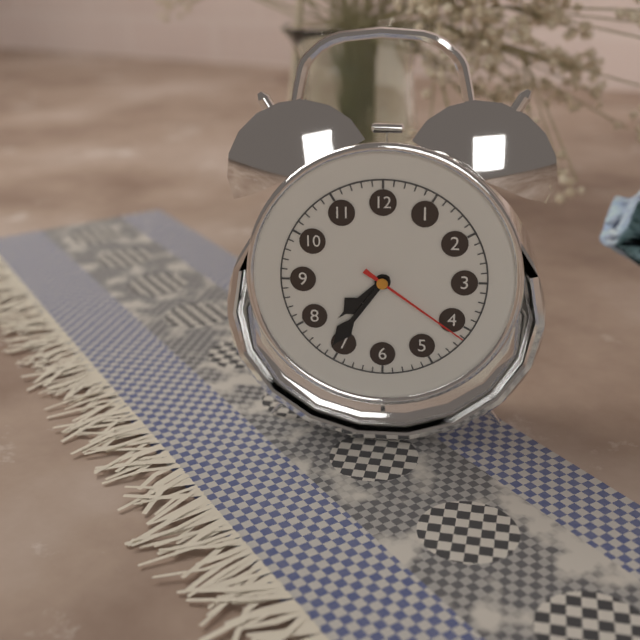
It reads {"hour": 7, "minute": 36, "second": 21}
